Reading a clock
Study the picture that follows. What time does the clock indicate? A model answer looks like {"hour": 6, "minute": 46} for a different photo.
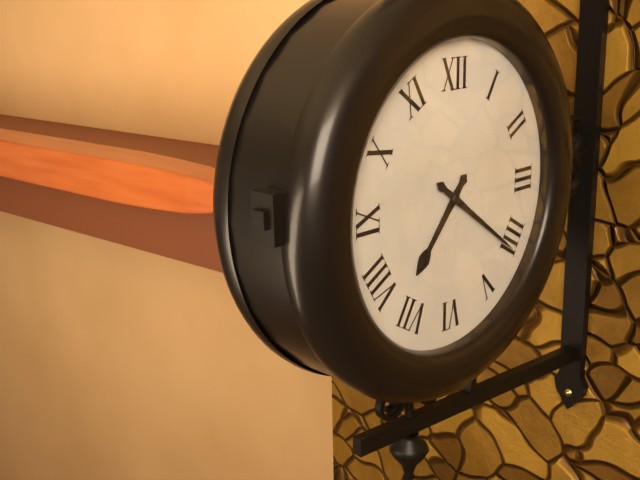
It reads {"hour": 7, "minute": 21}
